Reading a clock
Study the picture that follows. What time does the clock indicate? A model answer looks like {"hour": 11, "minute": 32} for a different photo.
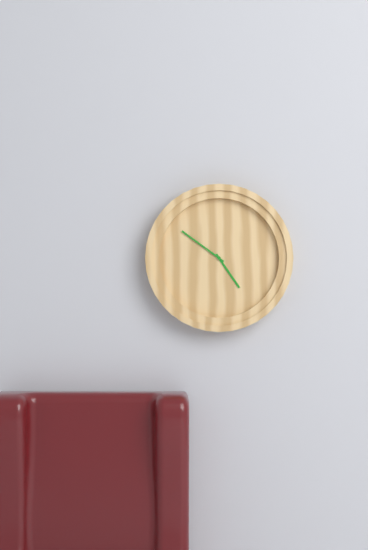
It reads {"hour": 4, "minute": 51}
